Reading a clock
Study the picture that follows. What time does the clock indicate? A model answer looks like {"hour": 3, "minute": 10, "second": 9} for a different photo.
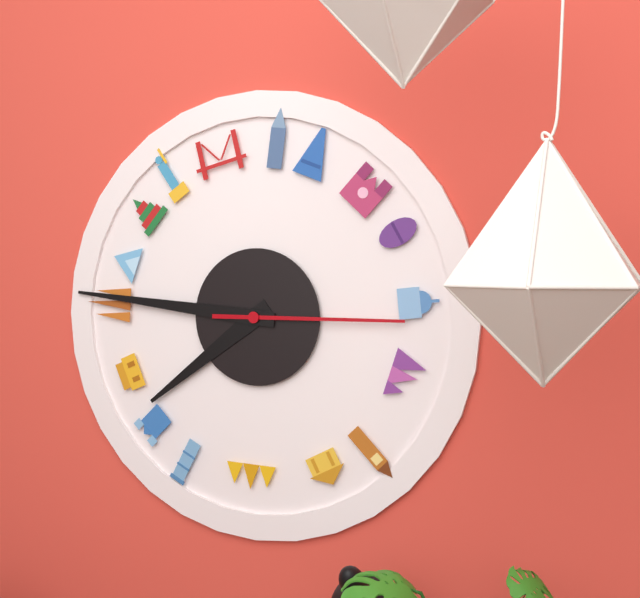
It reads {"hour": 7, "minute": 46, "second": 15}
